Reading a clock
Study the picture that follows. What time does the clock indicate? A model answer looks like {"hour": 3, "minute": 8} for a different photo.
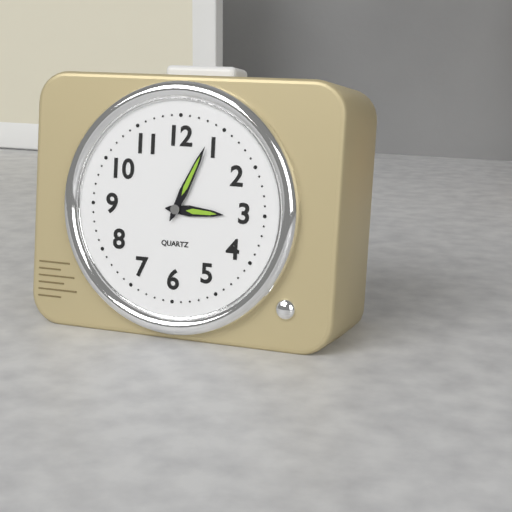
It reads {"hour": 3, "minute": 4}
